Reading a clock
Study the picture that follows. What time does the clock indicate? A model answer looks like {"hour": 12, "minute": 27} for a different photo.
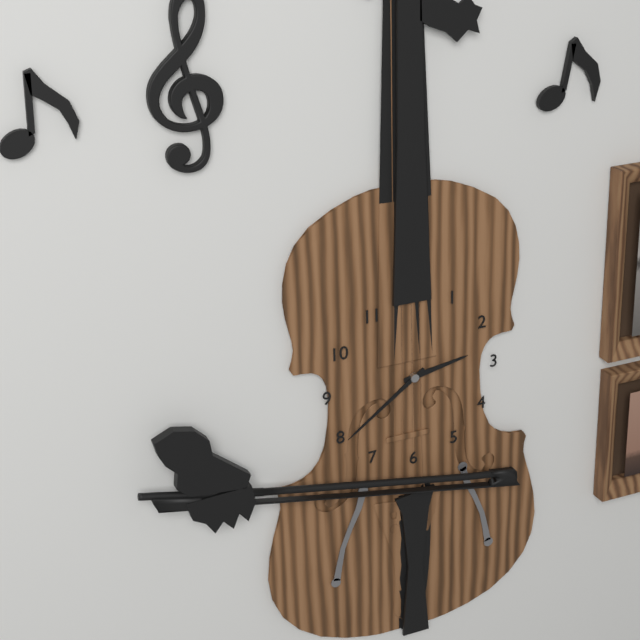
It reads {"hour": 2, "minute": 39}
